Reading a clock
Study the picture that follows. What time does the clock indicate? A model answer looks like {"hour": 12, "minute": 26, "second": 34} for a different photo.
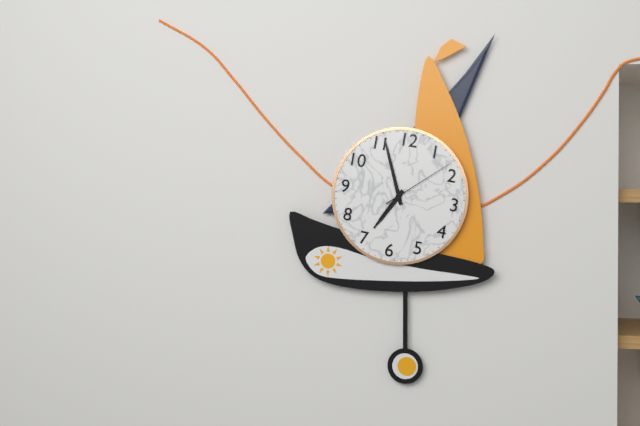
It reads {"hour": 6, "minute": 56, "second": 8}
